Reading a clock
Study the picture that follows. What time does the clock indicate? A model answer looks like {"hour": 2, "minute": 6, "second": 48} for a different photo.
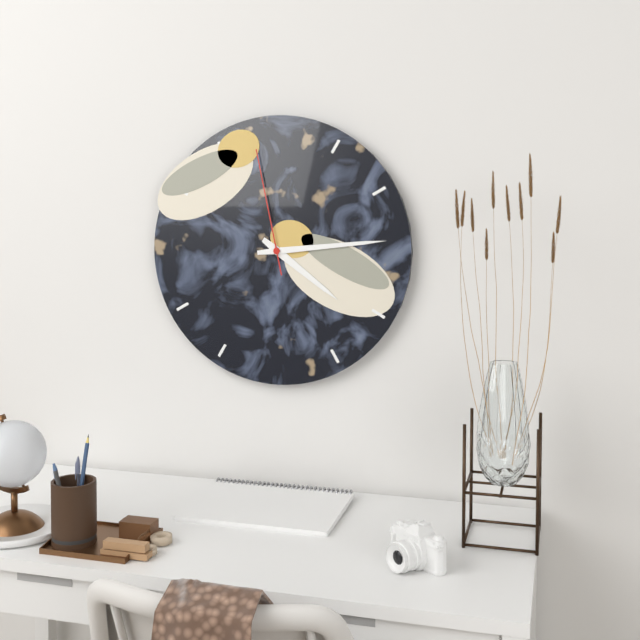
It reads {"hour": 4, "minute": 14, "second": 58}
